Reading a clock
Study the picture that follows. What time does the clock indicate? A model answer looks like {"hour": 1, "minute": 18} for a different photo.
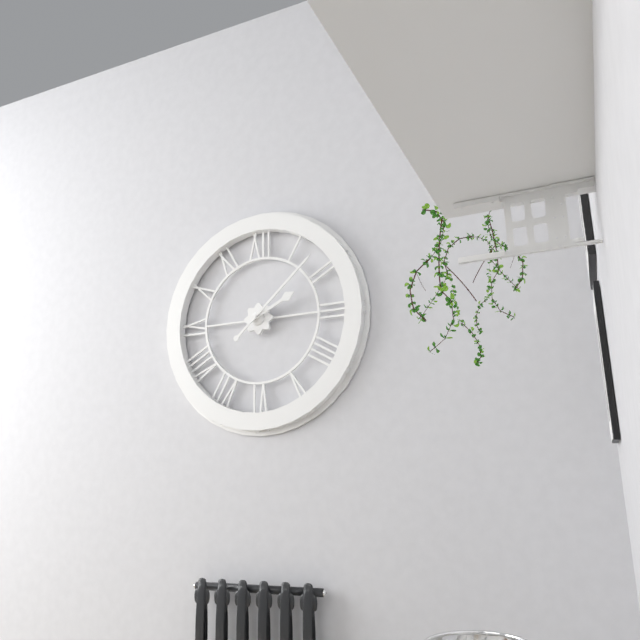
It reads {"hour": 2, "minute": 8}
